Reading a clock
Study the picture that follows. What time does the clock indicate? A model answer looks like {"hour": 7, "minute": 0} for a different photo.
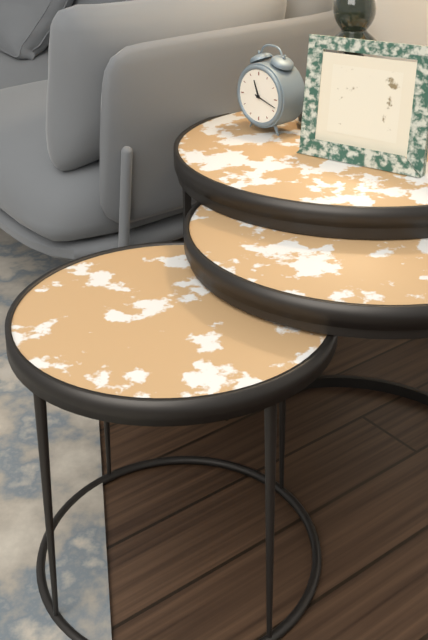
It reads {"hour": 11, "minute": 18}
